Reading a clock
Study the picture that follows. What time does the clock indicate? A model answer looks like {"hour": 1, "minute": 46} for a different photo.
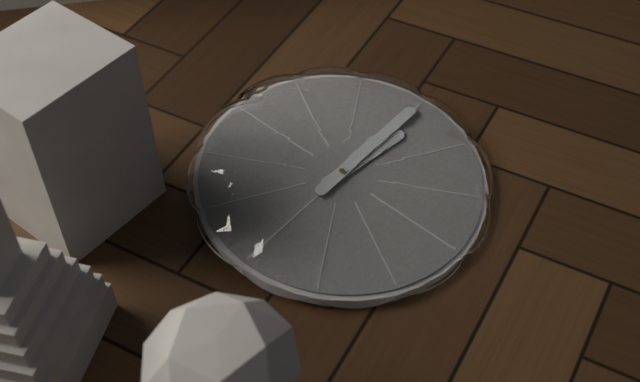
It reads {"hour": 3, "minute": 15}
